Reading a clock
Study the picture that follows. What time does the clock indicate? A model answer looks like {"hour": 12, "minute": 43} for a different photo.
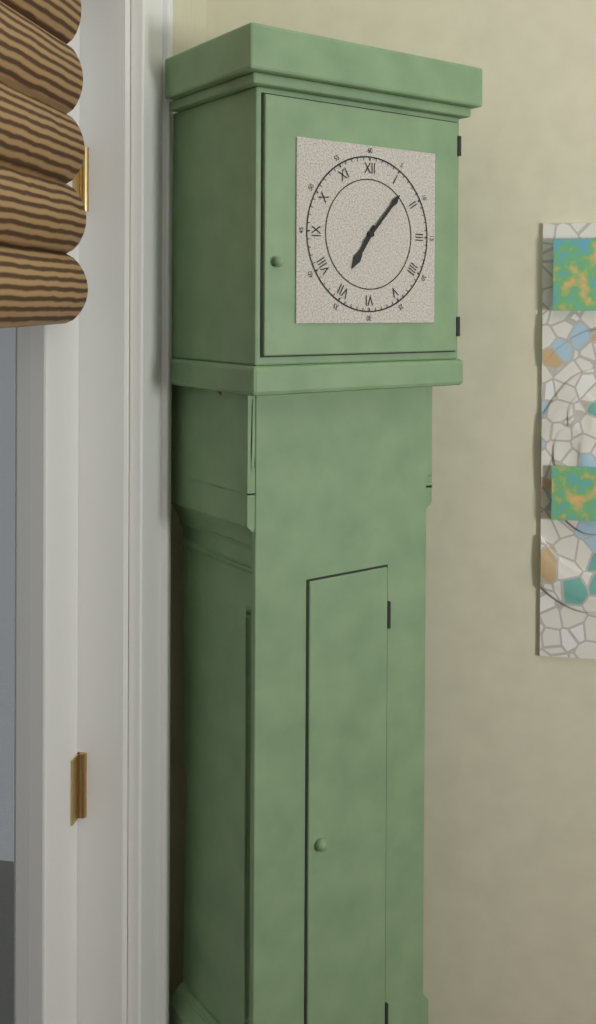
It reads {"hour": 7, "minute": 7}
